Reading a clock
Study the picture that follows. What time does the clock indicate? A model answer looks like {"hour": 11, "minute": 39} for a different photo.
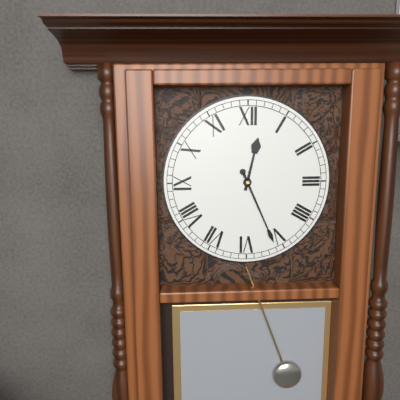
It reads {"hour": 12, "minute": 26}
